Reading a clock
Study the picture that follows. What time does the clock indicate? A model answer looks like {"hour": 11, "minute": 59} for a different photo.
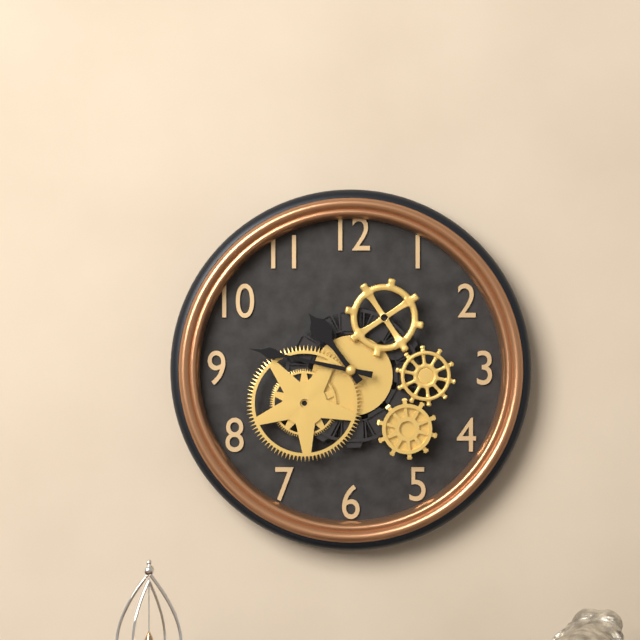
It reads {"hour": 10, "minute": 47}
